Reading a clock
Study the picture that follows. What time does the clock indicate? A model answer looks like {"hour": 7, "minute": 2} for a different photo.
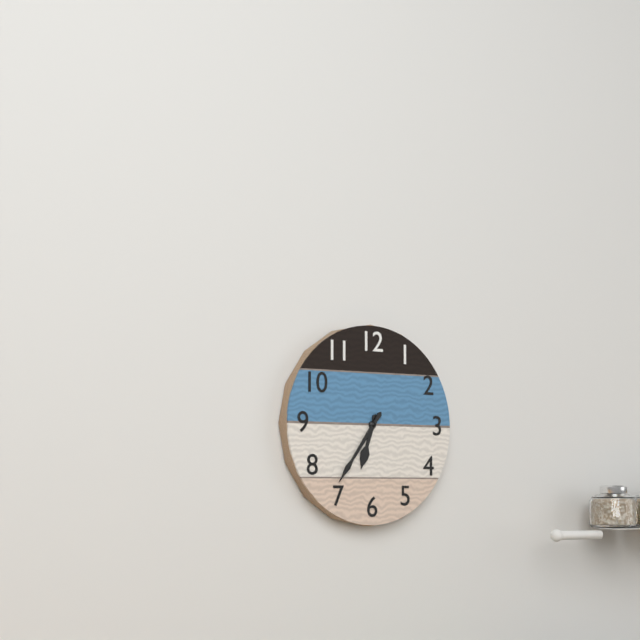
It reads {"hour": 6, "minute": 36}
